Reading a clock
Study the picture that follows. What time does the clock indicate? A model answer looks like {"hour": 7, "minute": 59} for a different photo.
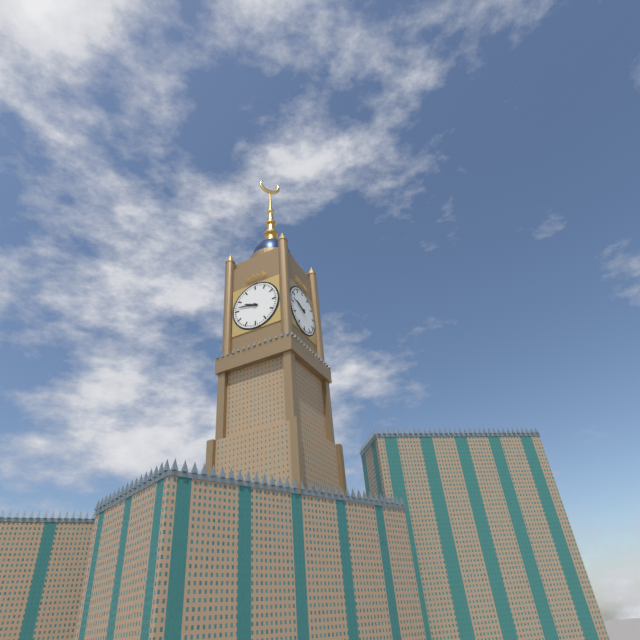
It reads {"hour": 9, "minute": 47}
